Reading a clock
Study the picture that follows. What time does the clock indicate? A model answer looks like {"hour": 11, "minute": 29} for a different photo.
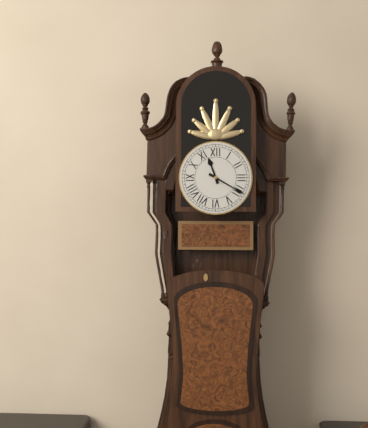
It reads {"hour": 11, "minute": 20}
